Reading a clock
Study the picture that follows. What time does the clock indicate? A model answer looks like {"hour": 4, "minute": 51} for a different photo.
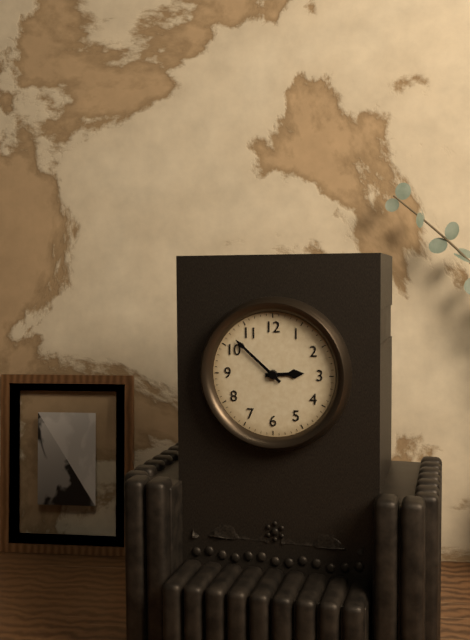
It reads {"hour": 2, "minute": 52}
